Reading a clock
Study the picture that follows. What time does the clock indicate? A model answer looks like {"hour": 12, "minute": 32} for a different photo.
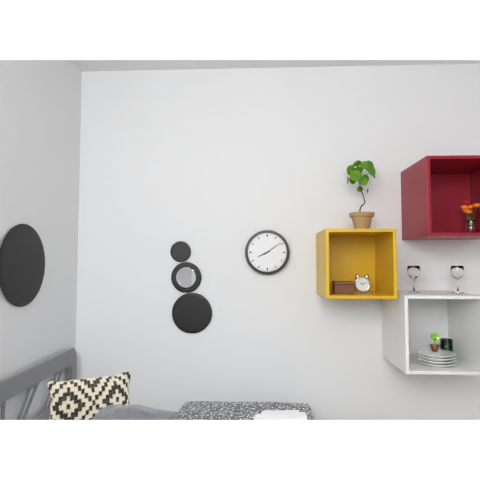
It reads {"hour": 8, "minute": 9}
